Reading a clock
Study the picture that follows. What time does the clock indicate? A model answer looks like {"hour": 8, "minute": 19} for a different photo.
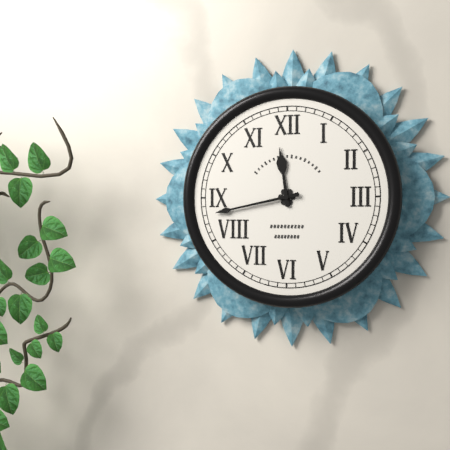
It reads {"hour": 11, "minute": 43}
